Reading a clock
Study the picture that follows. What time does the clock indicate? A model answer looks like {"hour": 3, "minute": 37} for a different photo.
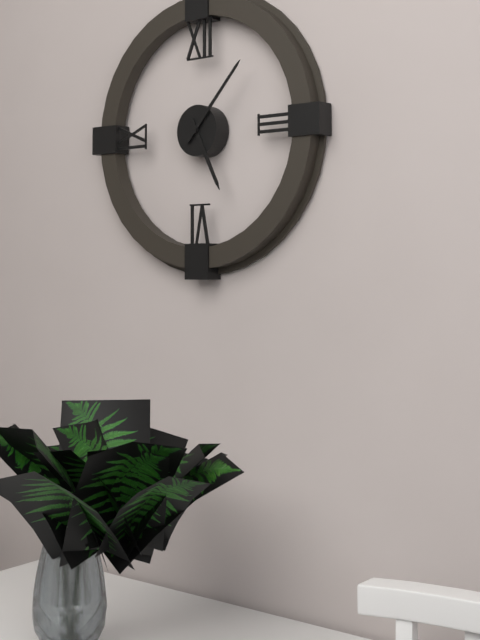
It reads {"hour": 5, "minute": 7}
